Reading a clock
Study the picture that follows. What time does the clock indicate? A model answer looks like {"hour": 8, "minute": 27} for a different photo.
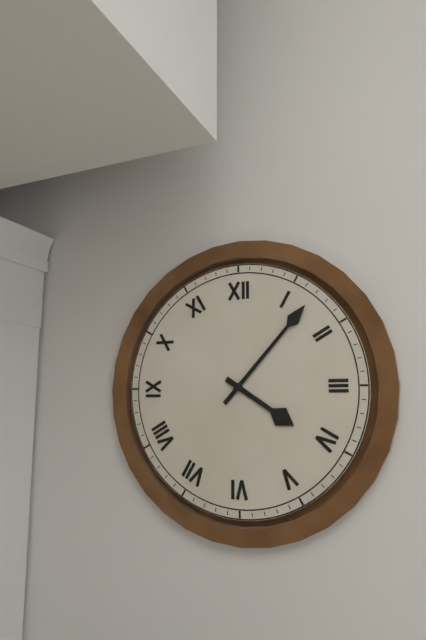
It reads {"hour": 4, "minute": 7}
